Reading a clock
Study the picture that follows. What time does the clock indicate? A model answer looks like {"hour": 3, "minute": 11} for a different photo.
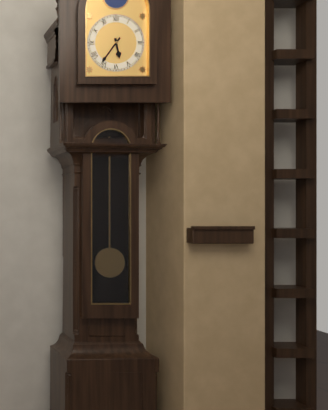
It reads {"hour": 5, "minute": 36}
